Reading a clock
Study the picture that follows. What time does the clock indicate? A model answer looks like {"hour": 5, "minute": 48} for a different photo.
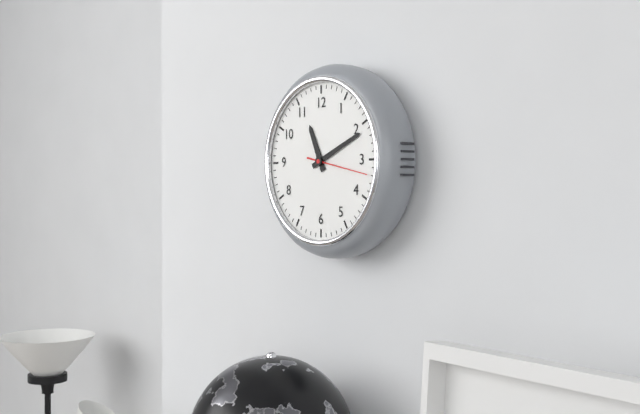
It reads {"hour": 11, "minute": 11}
